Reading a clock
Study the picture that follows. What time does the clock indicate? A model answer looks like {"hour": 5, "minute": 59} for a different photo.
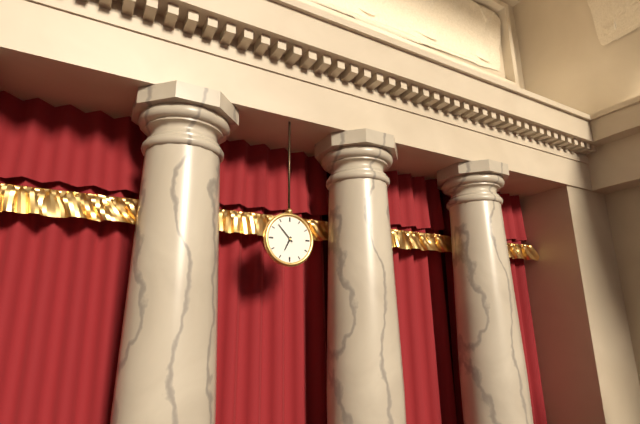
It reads {"hour": 6, "minute": 53}
